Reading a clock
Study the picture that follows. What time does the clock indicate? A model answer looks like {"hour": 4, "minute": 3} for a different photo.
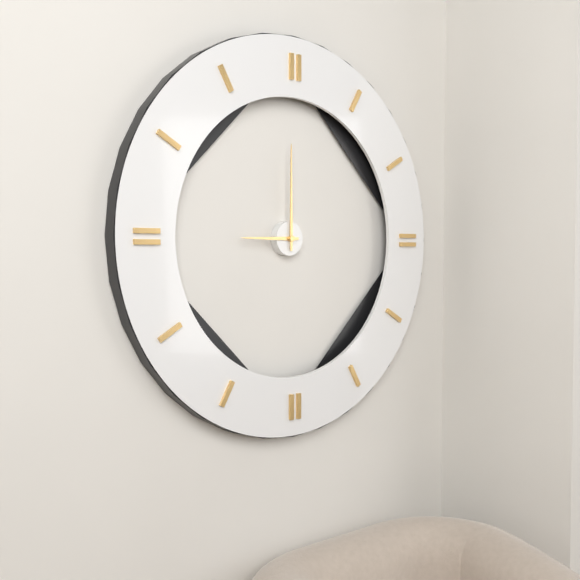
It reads {"hour": 9, "minute": 0}
